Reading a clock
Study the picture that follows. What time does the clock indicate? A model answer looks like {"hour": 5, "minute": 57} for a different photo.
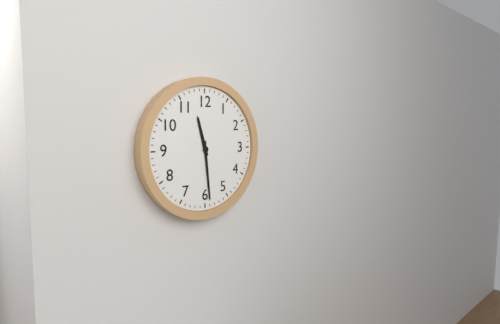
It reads {"hour": 11, "minute": 29}
